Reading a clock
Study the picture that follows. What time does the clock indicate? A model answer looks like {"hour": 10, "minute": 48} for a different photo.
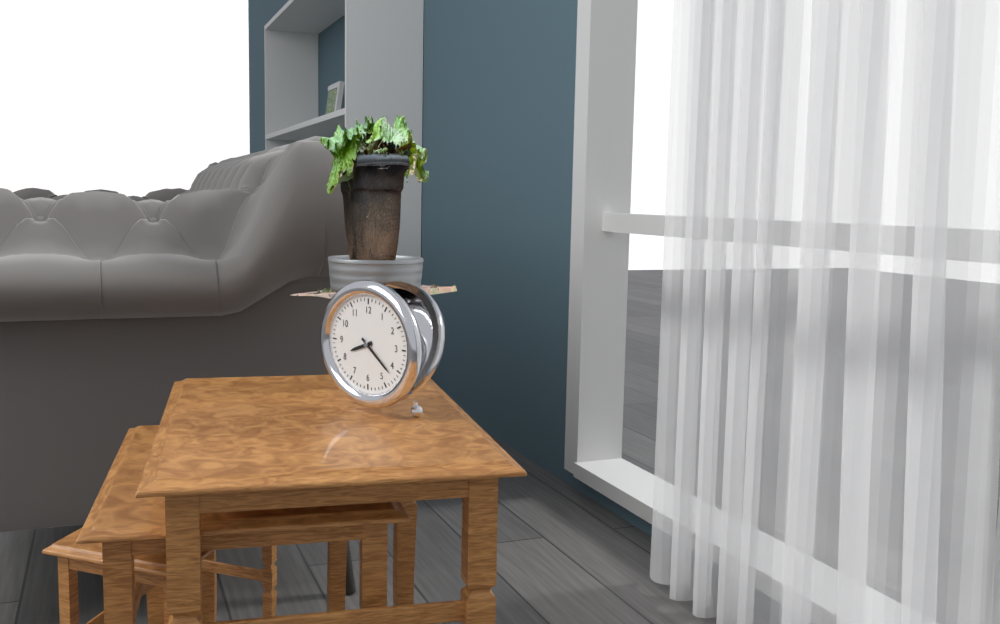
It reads {"hour": 8, "minute": 21}
